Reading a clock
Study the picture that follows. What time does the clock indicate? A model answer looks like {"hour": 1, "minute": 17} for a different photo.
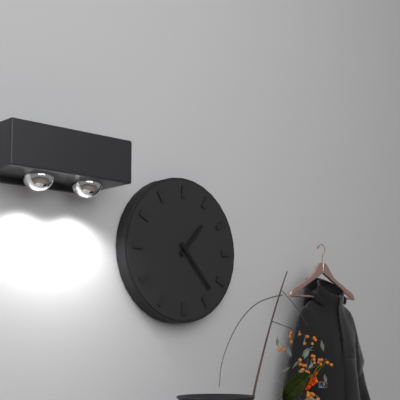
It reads {"hour": 1, "minute": 23}
